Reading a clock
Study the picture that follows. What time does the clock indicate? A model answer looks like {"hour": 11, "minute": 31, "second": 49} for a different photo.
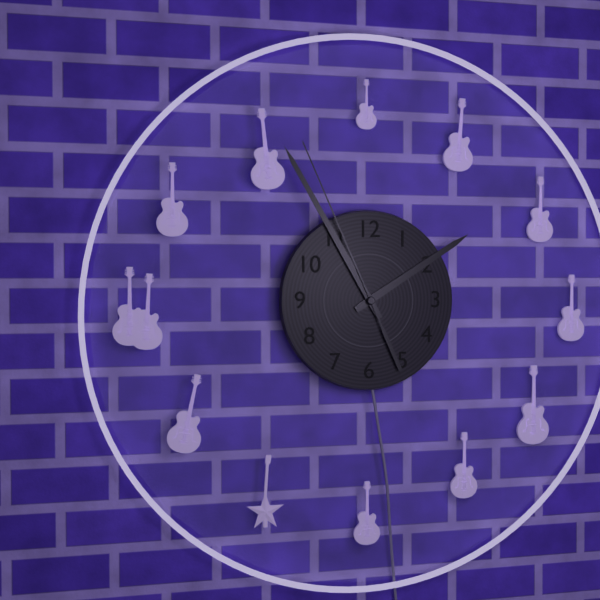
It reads {"hour": 1, "minute": 55, "second": 56}
